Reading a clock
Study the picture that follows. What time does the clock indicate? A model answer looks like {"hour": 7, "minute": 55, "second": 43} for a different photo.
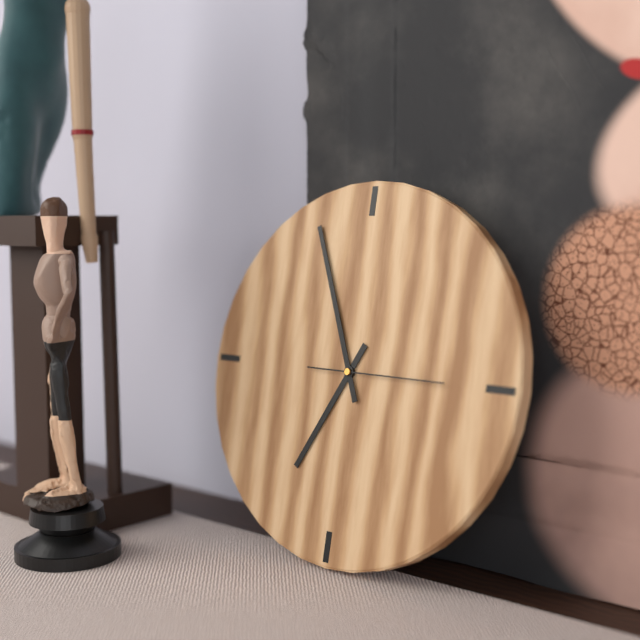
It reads {"hour": 6, "minute": 56, "second": 15}
